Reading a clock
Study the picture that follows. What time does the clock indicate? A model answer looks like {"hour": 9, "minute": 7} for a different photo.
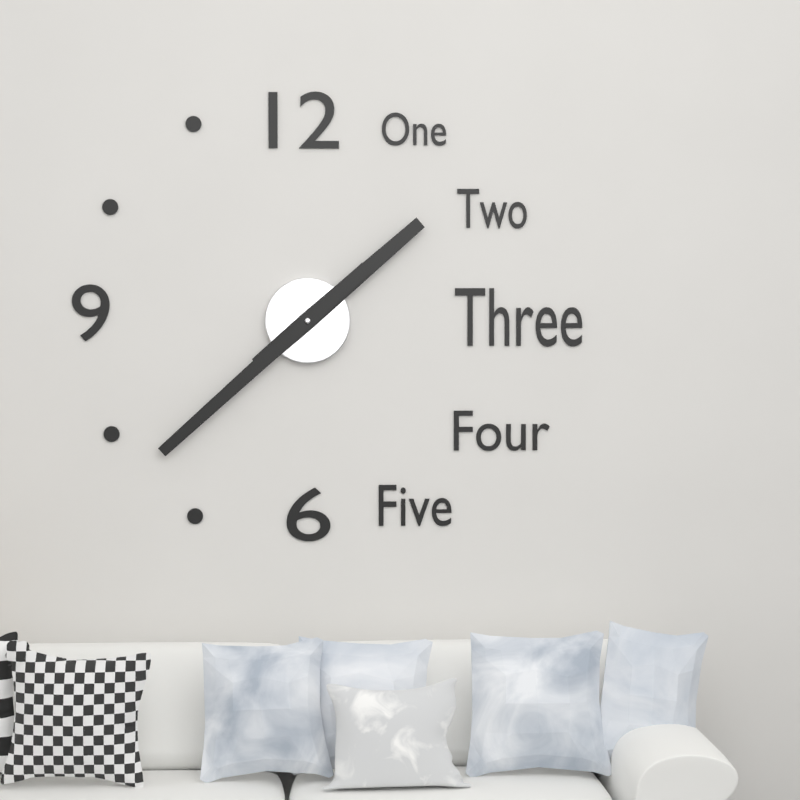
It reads {"hour": 1, "minute": 38}
